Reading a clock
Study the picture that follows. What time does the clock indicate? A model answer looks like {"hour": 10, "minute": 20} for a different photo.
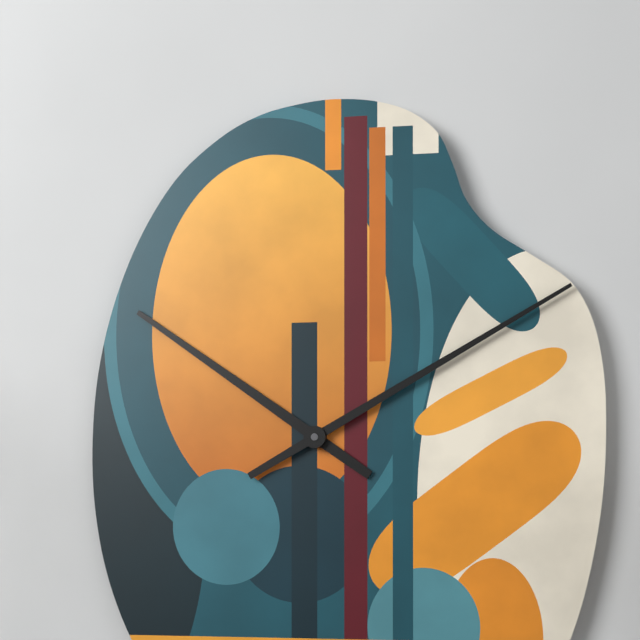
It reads {"hour": 10, "minute": 10}
